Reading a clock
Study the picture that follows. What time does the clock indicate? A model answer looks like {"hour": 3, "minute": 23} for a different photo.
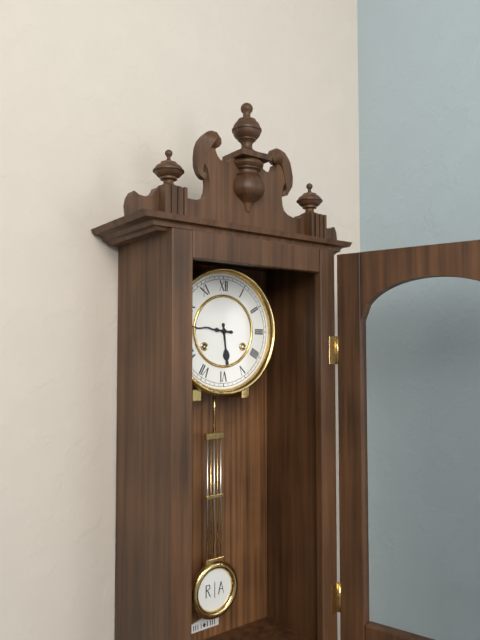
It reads {"hour": 5, "minute": 46}
